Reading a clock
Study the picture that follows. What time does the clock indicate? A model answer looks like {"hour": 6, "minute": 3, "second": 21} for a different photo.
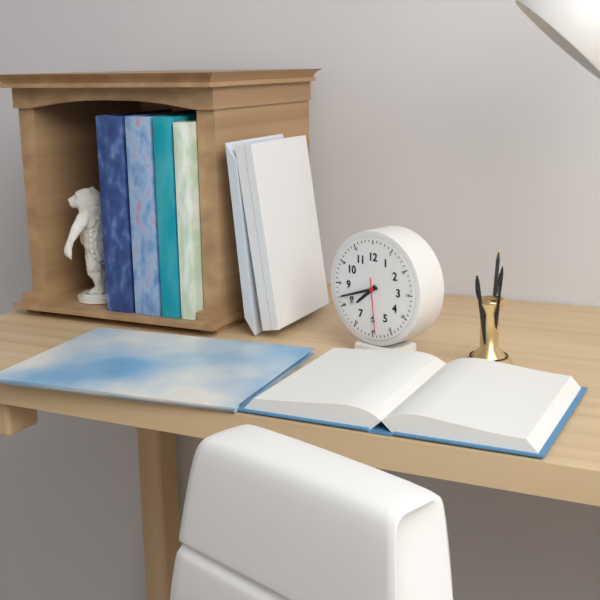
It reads {"hour": 7, "minute": 42, "second": 29}
